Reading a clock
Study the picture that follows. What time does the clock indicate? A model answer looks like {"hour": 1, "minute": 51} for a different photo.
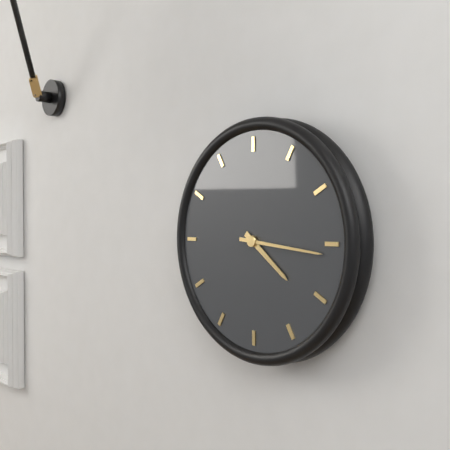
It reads {"hour": 4, "minute": 16}
